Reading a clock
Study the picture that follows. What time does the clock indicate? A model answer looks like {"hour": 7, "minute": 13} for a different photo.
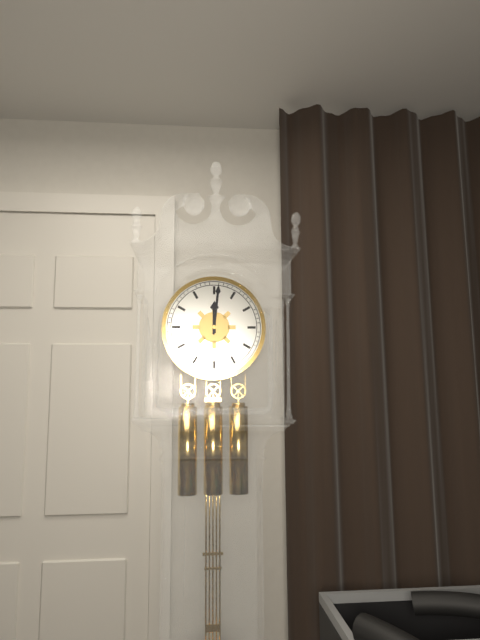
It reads {"hour": 12, "minute": 1}
